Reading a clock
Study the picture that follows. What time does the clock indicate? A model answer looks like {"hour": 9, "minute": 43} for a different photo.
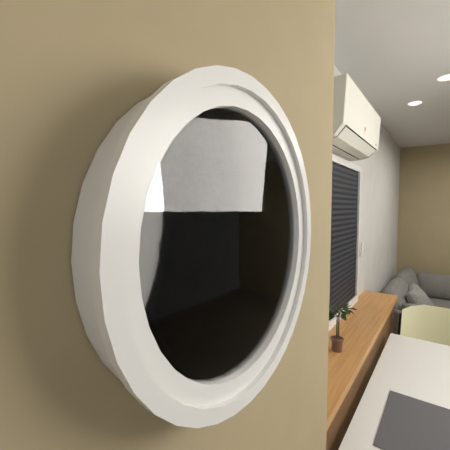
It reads {"hour": 7, "minute": 29}
